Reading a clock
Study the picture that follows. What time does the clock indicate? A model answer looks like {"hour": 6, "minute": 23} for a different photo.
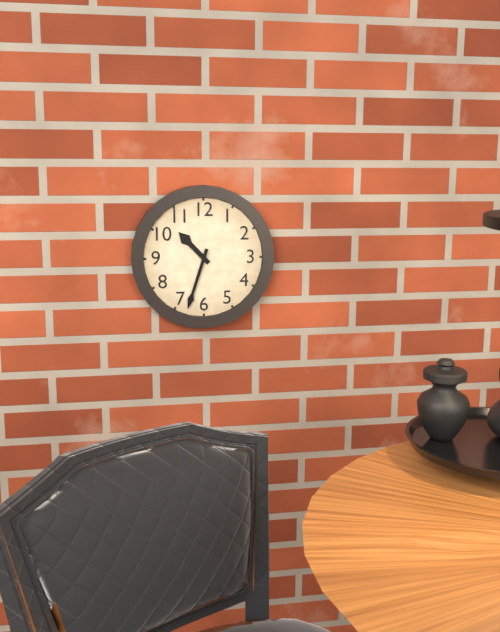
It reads {"hour": 10, "minute": 33}
